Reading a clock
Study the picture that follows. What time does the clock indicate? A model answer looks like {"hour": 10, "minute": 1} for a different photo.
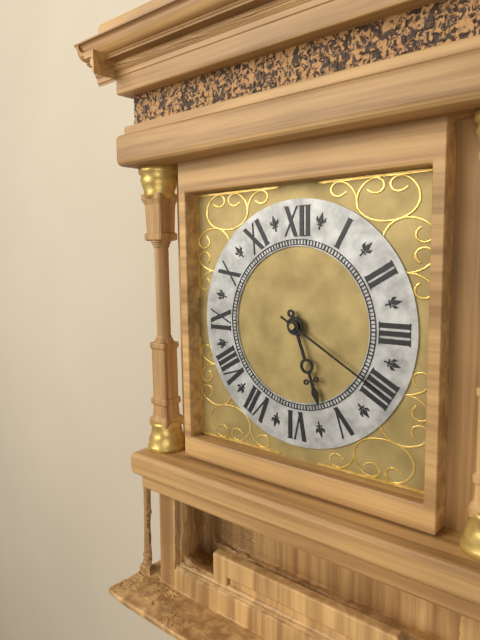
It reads {"hour": 5, "minute": 20}
